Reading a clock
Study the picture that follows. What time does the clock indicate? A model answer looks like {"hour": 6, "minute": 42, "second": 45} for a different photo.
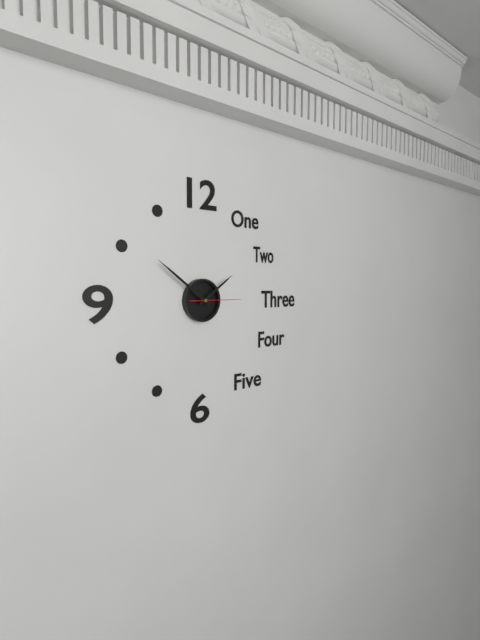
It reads {"hour": 1, "minute": 51, "second": 15}
